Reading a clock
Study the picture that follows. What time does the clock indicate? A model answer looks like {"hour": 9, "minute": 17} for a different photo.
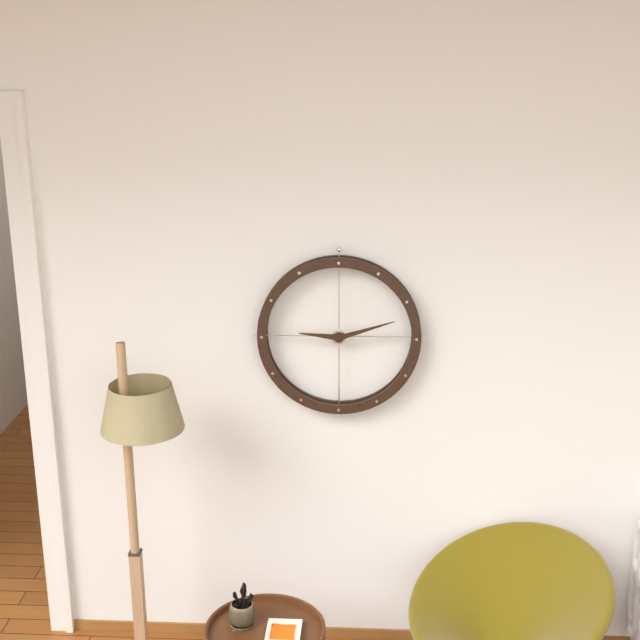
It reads {"hour": 9, "minute": 12}
